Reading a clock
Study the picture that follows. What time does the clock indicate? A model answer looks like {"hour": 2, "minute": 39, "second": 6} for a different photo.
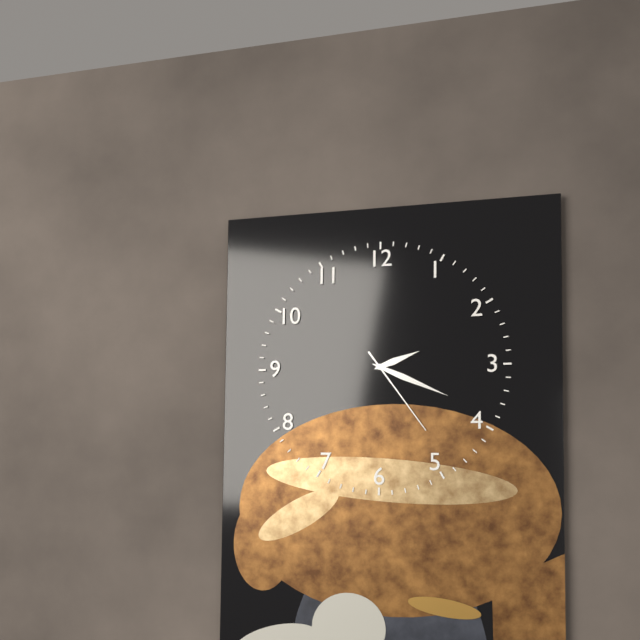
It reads {"hour": 2, "minute": 19, "second": 24}
